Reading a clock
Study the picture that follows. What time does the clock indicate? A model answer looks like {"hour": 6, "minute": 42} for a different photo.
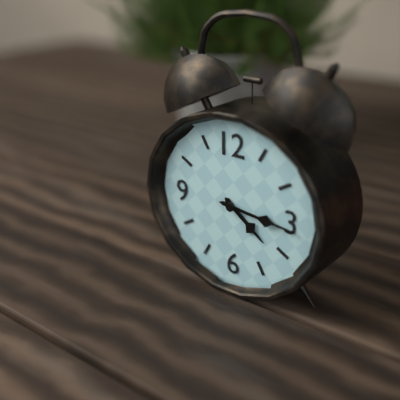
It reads {"hour": 4, "minute": 16}
